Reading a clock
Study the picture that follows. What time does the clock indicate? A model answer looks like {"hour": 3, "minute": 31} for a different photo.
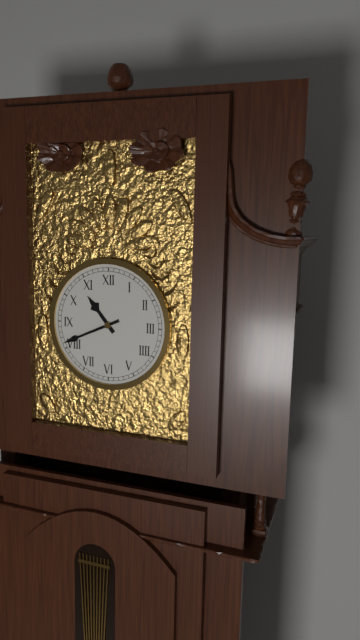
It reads {"hour": 10, "minute": 41}
